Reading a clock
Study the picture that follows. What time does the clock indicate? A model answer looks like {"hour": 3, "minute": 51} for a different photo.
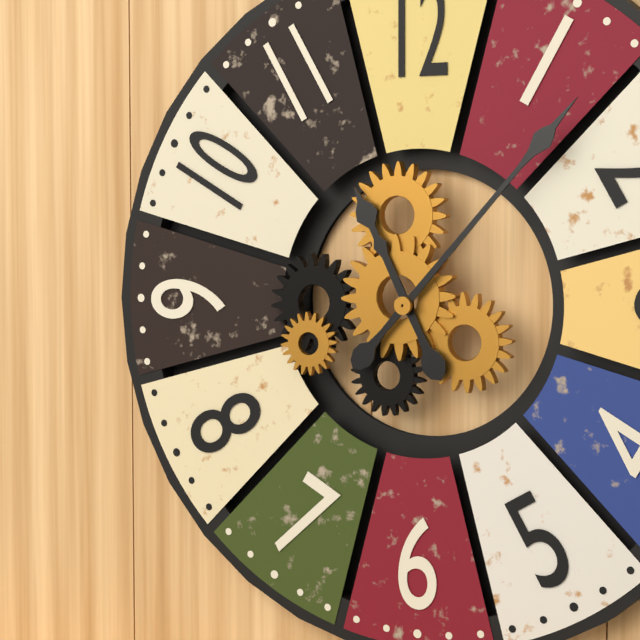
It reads {"hour": 11, "minute": 7}
